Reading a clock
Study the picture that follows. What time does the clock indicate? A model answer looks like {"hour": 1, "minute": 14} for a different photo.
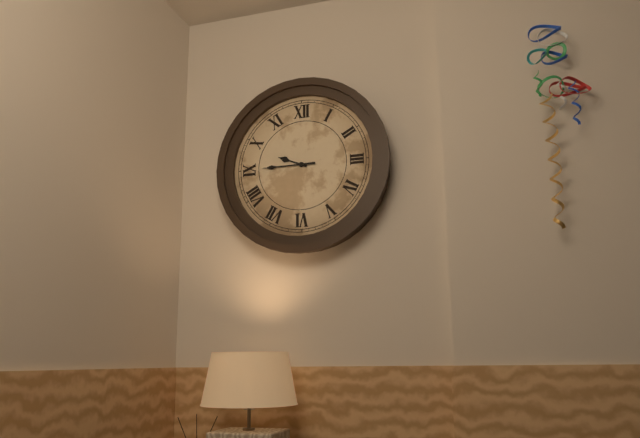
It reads {"hour": 9, "minute": 45}
